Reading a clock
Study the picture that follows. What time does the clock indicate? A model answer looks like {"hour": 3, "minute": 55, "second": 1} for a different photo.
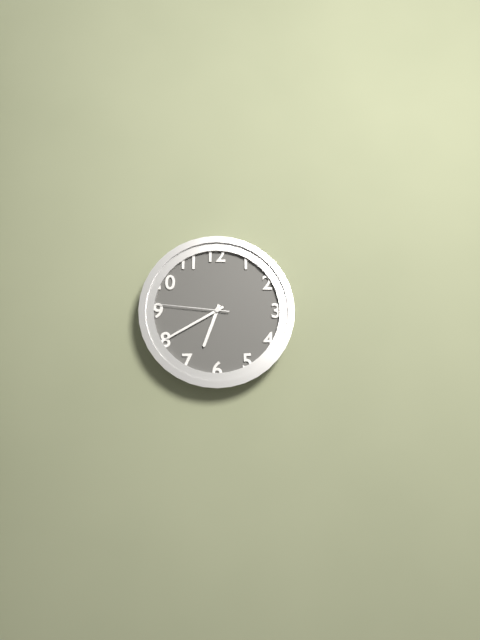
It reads {"hour": 6, "minute": 40, "second": 46}
